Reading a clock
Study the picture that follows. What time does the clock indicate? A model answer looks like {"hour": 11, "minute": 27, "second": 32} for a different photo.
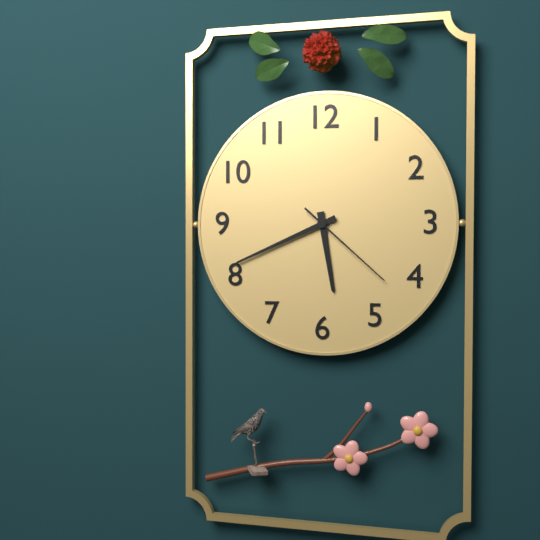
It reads {"hour": 5, "minute": 41, "second": 22}
